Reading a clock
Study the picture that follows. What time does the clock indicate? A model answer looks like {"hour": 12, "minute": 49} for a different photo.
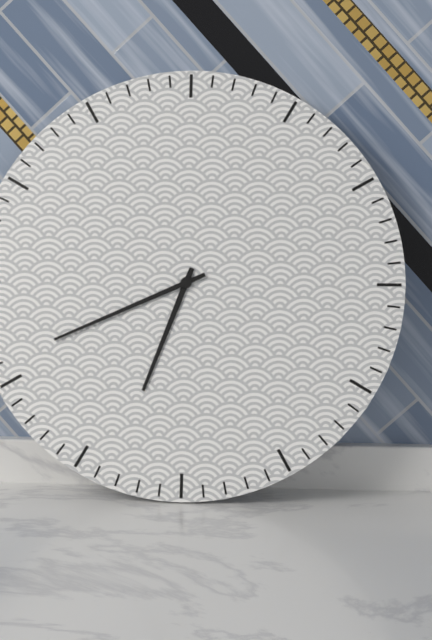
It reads {"hour": 6, "minute": 41}
